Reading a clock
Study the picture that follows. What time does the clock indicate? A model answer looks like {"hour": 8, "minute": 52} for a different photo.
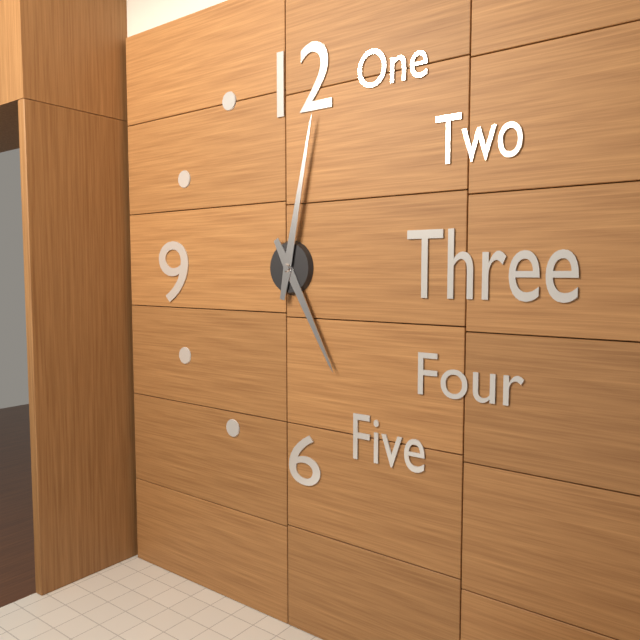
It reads {"hour": 5, "minute": 2}
